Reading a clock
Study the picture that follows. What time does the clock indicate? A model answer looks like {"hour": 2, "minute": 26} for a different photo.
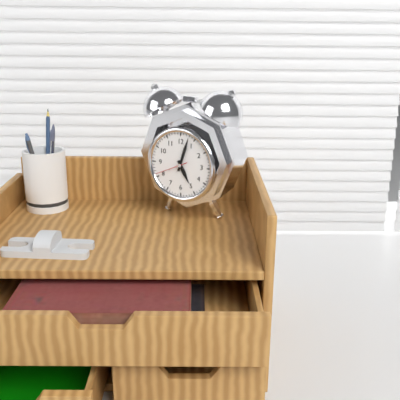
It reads {"hour": 5, "minute": 3}
